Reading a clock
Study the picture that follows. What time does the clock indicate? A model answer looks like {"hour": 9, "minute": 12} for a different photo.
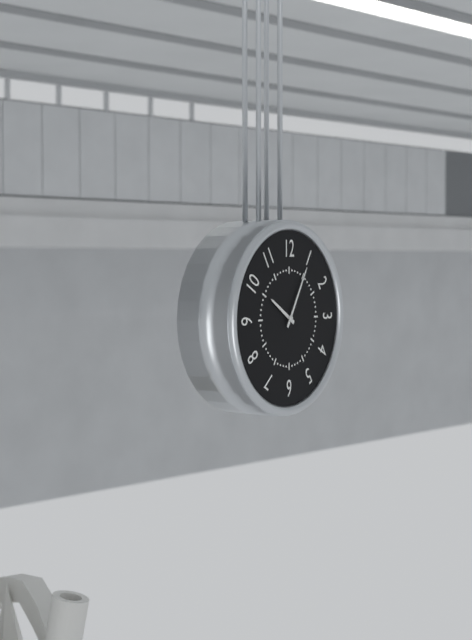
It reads {"hour": 10, "minute": 5}
